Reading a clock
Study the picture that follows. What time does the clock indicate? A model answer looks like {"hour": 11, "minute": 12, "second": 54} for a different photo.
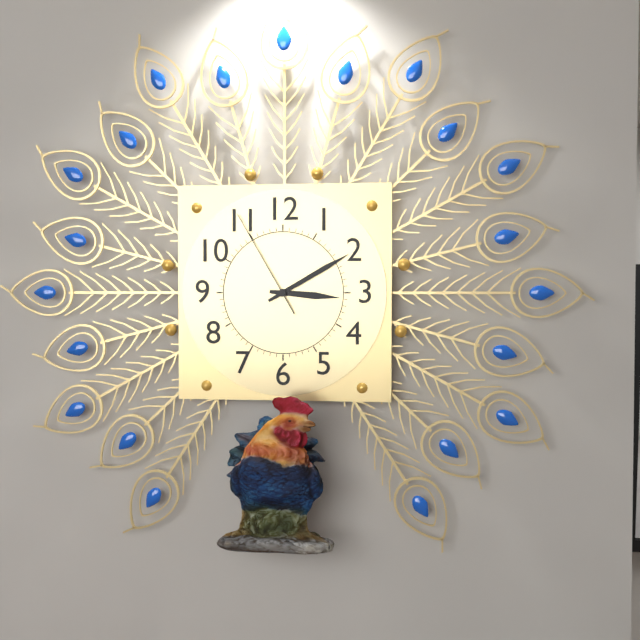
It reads {"hour": 3, "minute": 10, "second": 55}
